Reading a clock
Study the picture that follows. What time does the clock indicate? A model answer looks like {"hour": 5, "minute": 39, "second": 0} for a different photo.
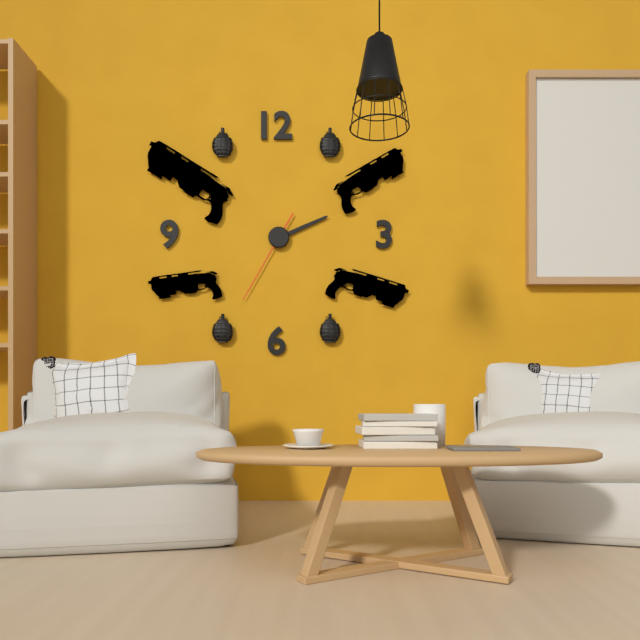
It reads {"hour": 2, "minute": 11, "second": 35}
